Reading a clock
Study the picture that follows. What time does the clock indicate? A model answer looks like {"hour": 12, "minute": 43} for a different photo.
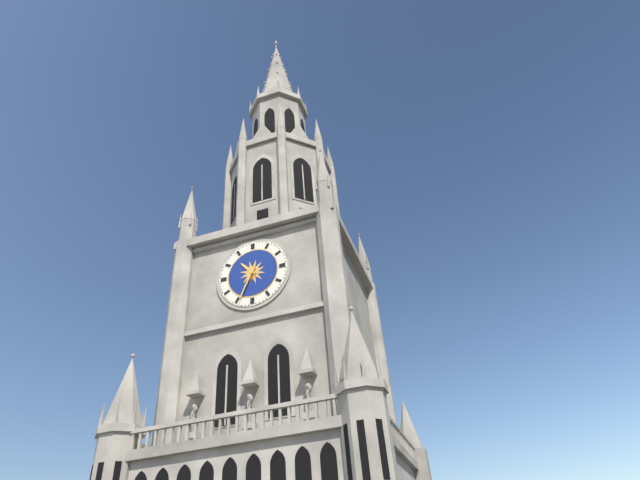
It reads {"hour": 10, "minute": 34}
